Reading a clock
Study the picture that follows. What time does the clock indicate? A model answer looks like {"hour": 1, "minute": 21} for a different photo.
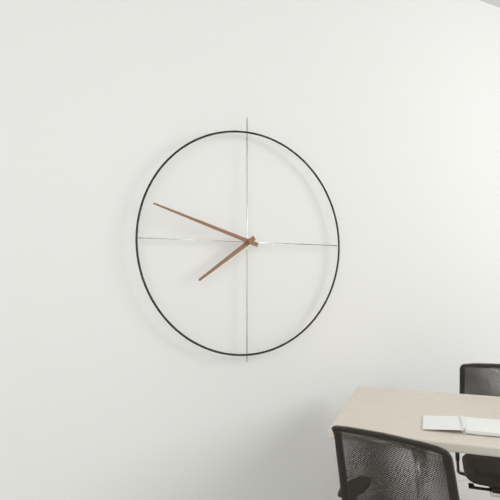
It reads {"hour": 7, "minute": 48}
